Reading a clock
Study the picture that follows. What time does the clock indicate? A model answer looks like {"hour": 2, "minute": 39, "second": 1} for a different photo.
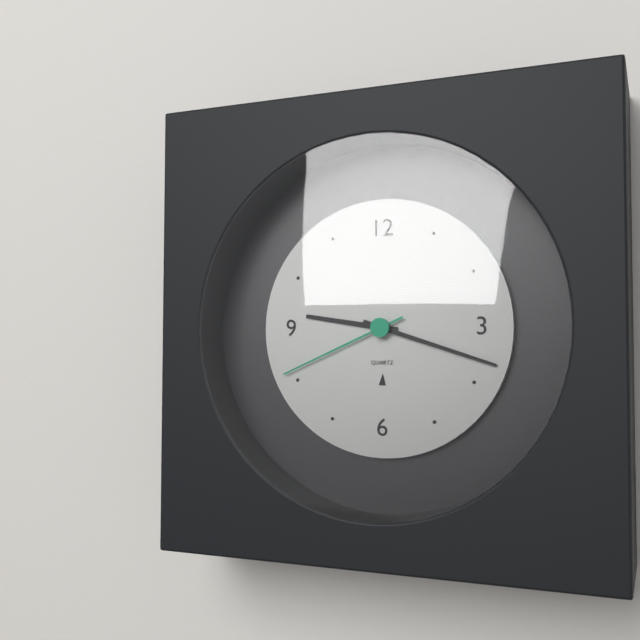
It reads {"hour": 9, "minute": 18, "second": 41}
